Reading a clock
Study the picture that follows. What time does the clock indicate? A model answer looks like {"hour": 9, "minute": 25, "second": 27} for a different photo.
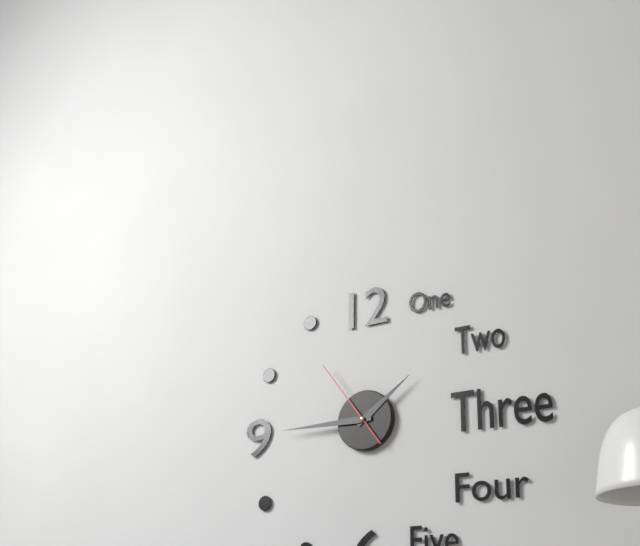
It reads {"hour": 1, "minute": 45, "second": 54}
